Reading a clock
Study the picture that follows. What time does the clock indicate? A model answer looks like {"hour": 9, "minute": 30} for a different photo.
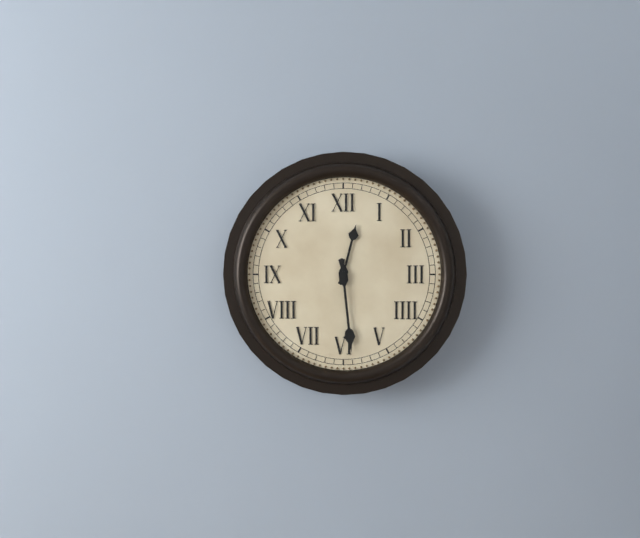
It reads {"hour": 12, "minute": 29}
